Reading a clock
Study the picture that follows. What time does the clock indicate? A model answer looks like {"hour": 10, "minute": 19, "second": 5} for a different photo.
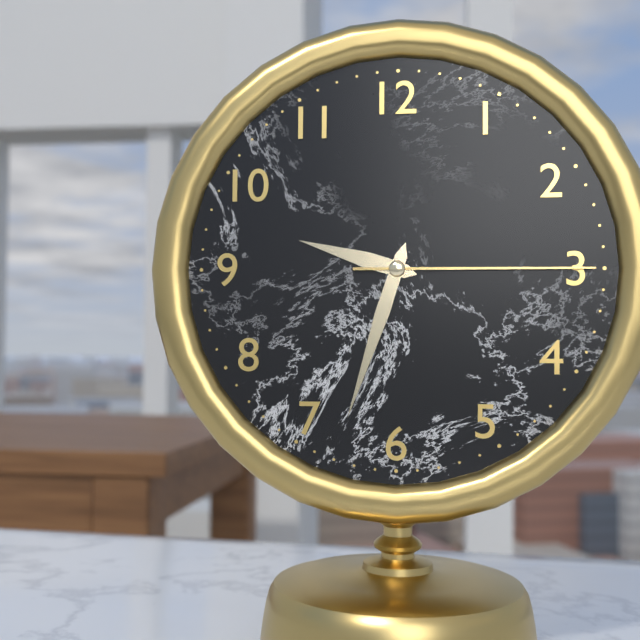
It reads {"hour": 9, "minute": 33, "second": 15}
